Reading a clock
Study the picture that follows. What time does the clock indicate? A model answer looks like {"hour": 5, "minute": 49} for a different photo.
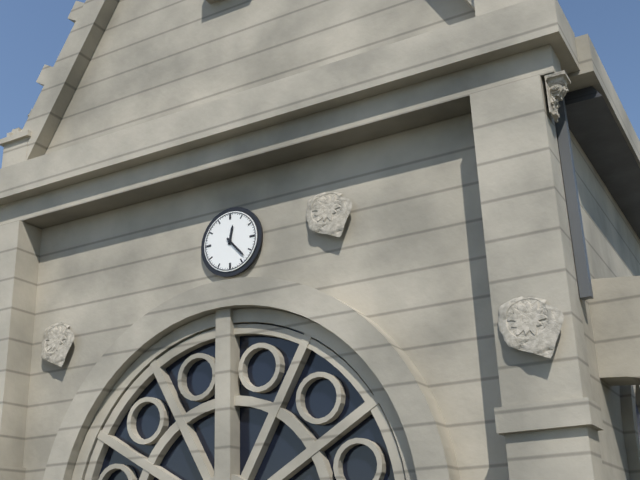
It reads {"hour": 12, "minute": 23}
